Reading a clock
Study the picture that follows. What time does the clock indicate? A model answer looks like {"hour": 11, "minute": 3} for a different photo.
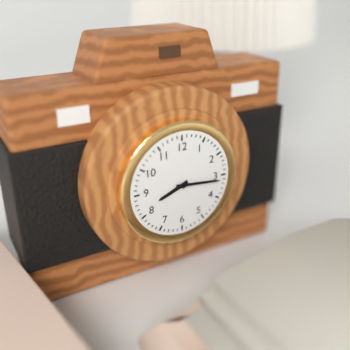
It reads {"hour": 8, "minute": 16}
